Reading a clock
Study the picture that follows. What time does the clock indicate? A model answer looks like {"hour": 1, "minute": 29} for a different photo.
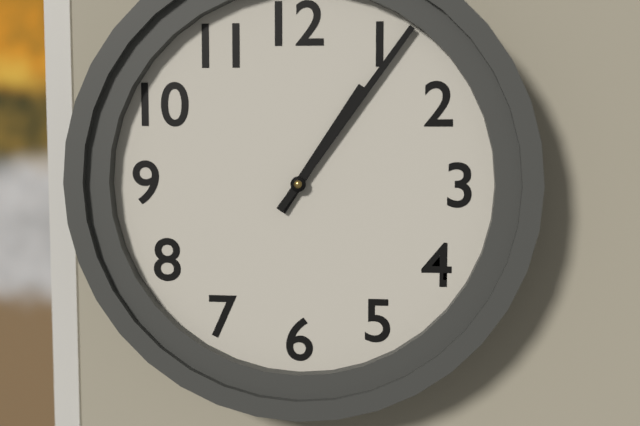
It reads {"hour": 1, "minute": 6}
